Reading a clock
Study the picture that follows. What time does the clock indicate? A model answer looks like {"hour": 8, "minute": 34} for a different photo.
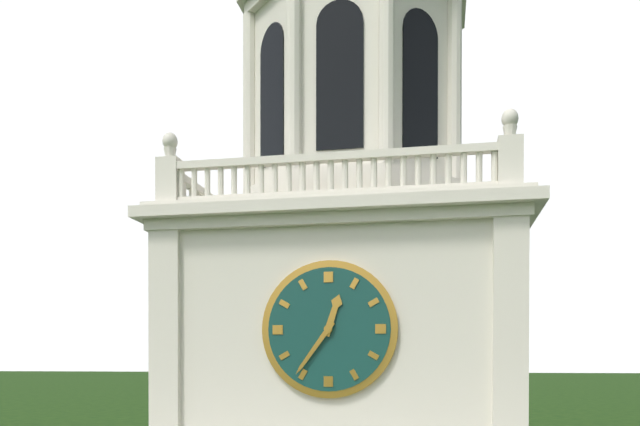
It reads {"hour": 12, "minute": 36}
